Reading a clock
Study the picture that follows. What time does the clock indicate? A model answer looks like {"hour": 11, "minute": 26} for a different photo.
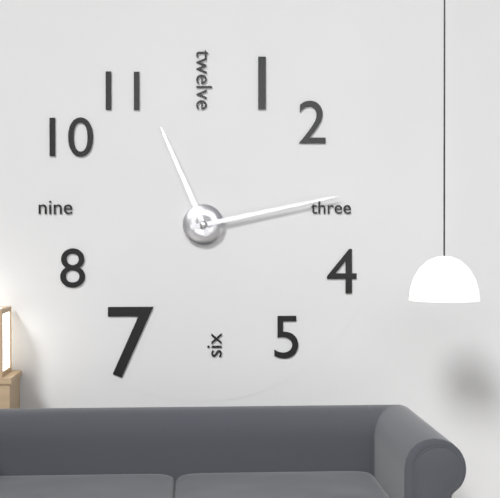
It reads {"hour": 11, "minute": 13}
